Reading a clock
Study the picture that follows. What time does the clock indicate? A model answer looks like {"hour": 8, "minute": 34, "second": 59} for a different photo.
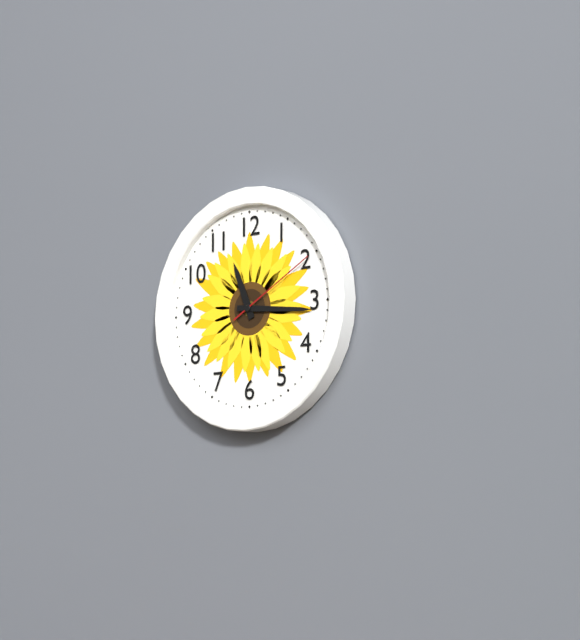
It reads {"hour": 11, "minute": 16, "second": 10}
